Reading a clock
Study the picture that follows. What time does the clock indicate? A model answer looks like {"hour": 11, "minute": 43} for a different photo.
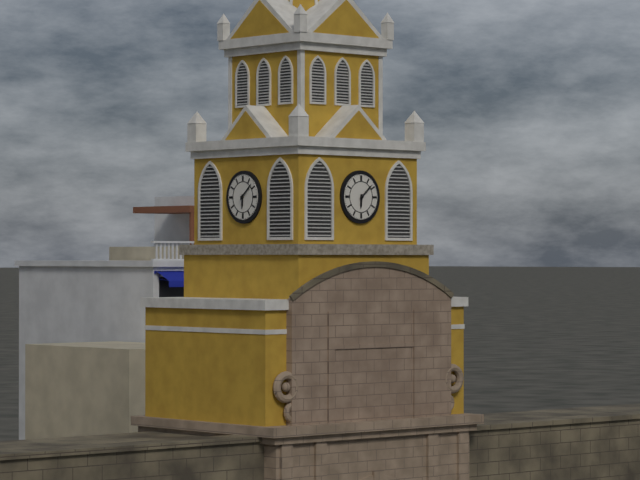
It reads {"hour": 6, "minute": 8}
